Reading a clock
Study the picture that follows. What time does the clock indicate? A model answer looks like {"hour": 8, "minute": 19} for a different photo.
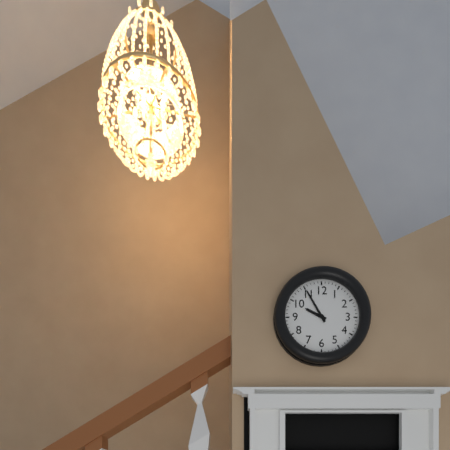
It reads {"hour": 9, "minute": 55}
